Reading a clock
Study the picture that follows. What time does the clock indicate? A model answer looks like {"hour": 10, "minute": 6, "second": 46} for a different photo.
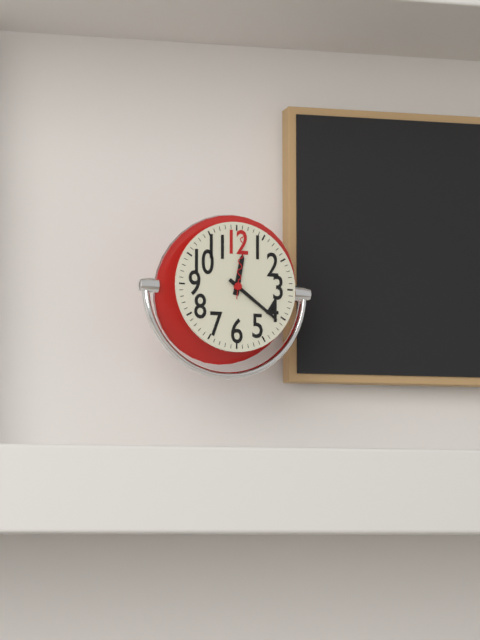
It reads {"hour": 12, "minute": 21, "second": 1}
